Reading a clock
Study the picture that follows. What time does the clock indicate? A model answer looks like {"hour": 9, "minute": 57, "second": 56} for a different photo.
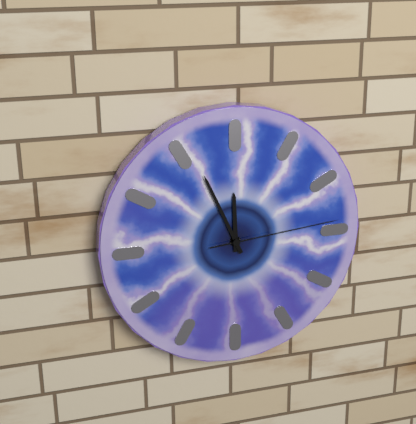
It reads {"hour": 11, "minute": 56, "second": 14}
